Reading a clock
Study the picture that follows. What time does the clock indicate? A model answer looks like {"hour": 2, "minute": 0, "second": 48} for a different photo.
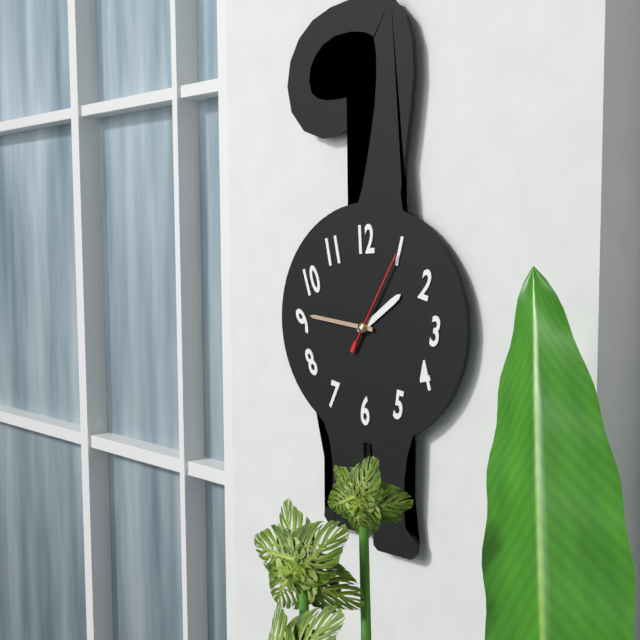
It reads {"hour": 1, "minute": 46, "second": 5}
